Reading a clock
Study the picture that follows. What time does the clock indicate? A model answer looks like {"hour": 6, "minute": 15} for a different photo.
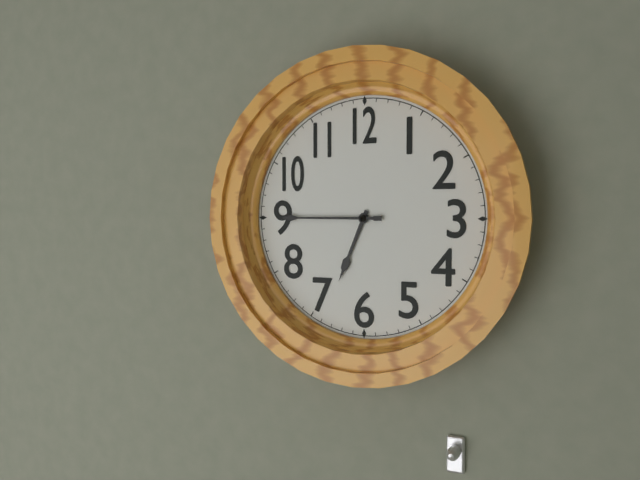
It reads {"hour": 6, "minute": 45}
